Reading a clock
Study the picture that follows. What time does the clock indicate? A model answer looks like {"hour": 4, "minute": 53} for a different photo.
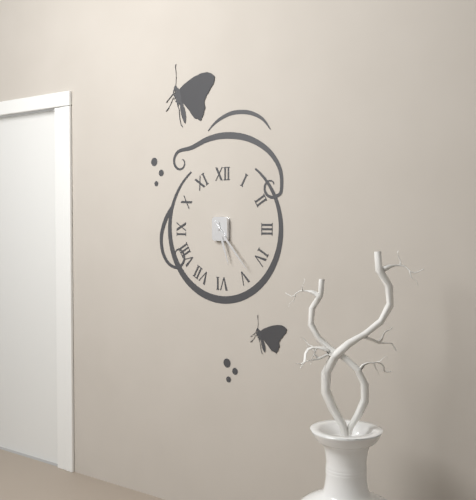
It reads {"hour": 5, "minute": 23}
